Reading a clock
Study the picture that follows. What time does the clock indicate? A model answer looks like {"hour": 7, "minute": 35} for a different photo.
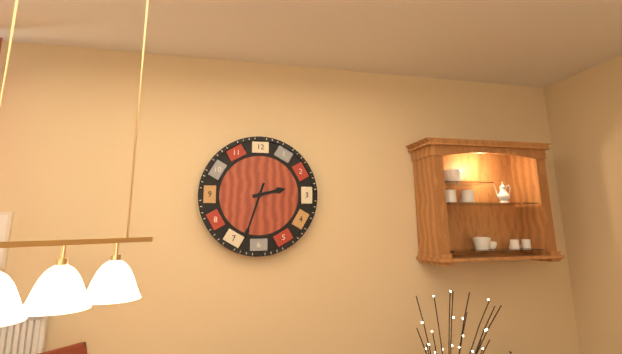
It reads {"hour": 2, "minute": 33}
